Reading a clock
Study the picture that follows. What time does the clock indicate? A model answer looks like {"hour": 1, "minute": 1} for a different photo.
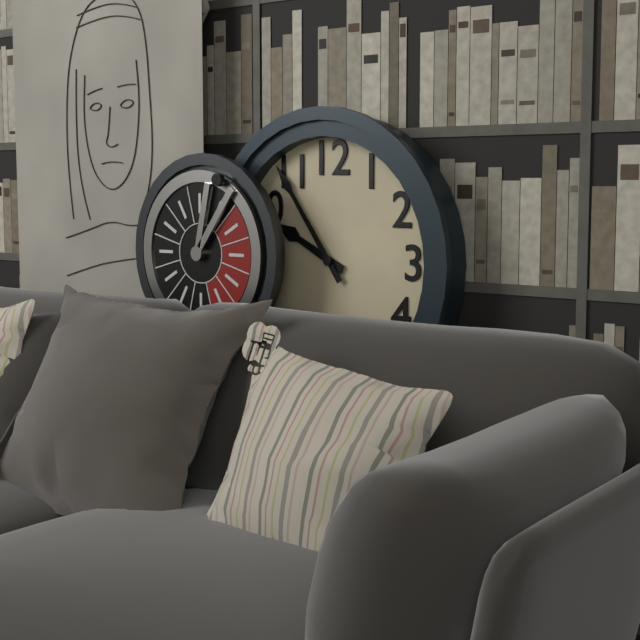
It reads {"hour": 9, "minute": 54}
